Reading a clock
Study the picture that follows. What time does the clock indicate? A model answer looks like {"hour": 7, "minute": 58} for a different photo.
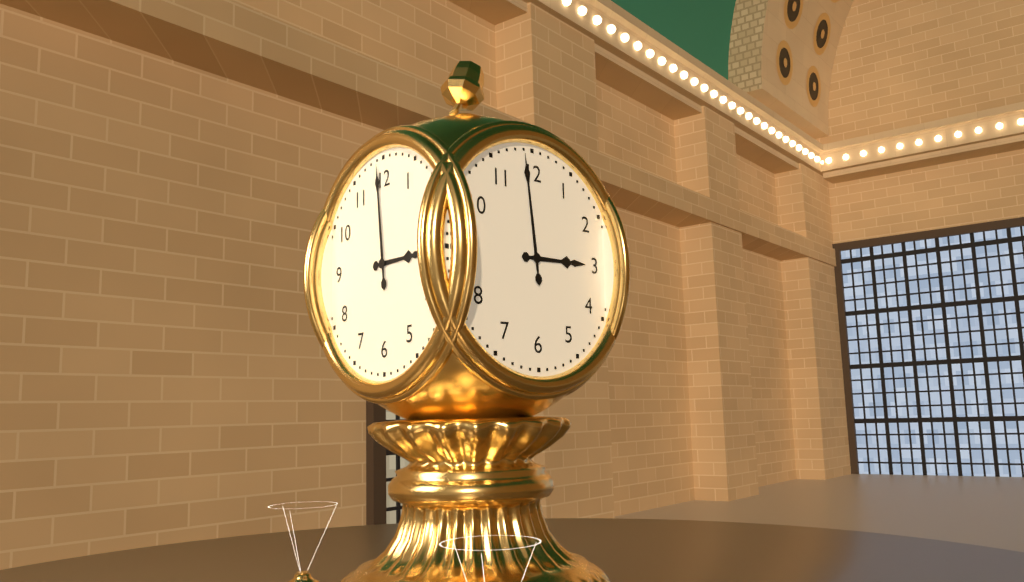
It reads {"hour": 2, "minute": 59}
